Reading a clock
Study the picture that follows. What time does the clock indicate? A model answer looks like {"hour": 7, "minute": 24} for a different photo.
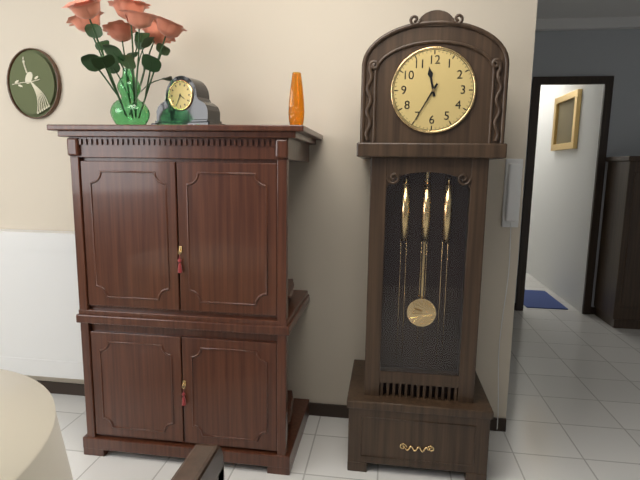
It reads {"hour": 11, "minute": 35}
